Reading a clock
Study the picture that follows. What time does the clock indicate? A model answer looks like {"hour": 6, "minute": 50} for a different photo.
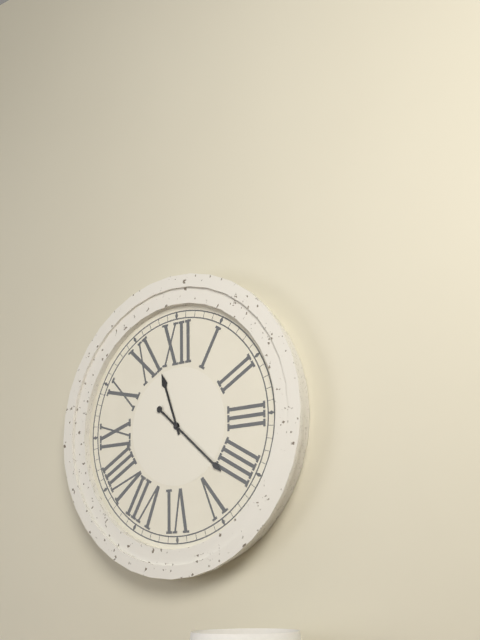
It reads {"hour": 11, "minute": 22}
